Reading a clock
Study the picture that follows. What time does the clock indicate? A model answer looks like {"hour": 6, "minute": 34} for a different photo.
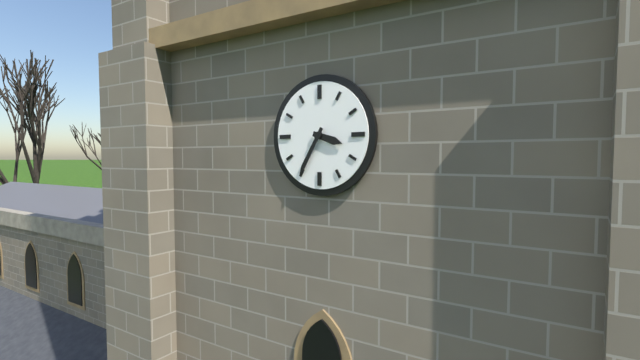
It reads {"hour": 3, "minute": 35}
